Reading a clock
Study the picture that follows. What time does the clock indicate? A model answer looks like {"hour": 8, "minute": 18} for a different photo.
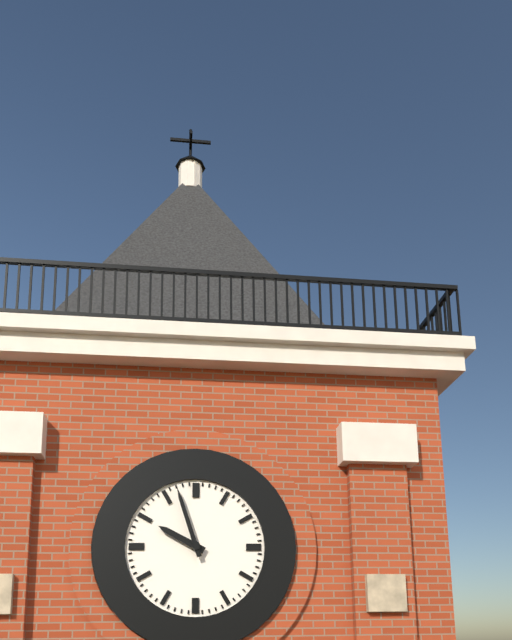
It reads {"hour": 9, "minute": 57}
